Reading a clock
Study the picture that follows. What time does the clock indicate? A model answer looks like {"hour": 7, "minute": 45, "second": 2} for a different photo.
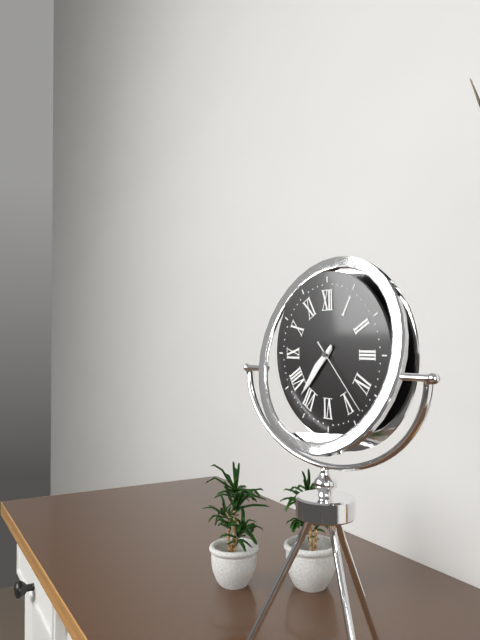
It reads {"hour": 7, "minute": 37, "second": 23}
